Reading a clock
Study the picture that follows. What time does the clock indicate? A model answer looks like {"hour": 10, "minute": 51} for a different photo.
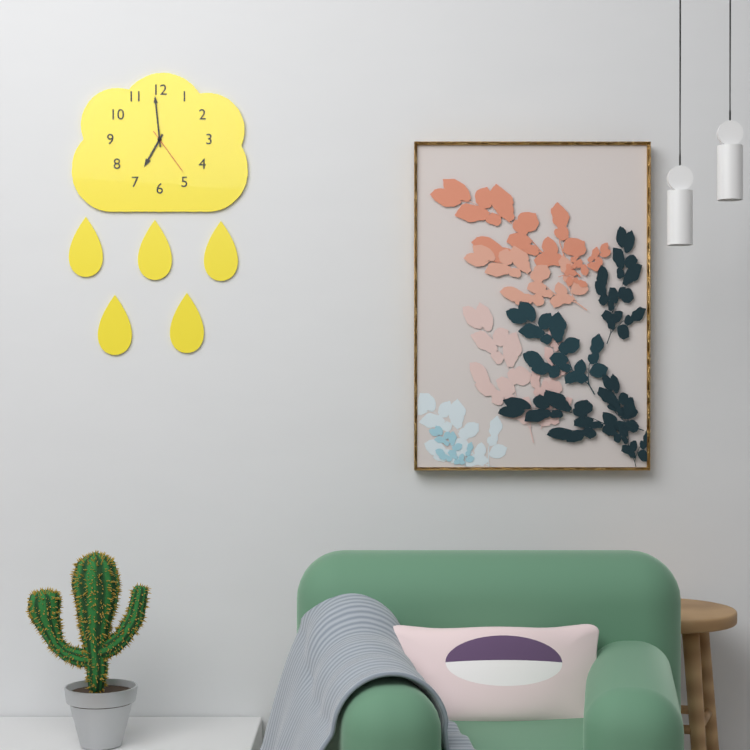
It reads {"hour": 6, "minute": 59}
